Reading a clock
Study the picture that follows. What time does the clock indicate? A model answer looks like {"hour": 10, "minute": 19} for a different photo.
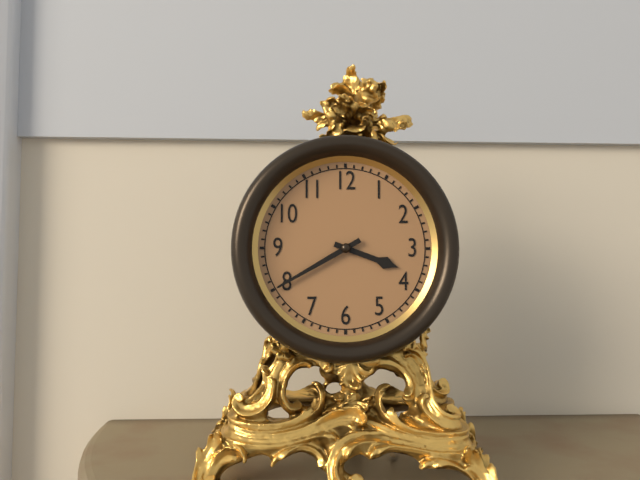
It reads {"hour": 3, "minute": 40}
